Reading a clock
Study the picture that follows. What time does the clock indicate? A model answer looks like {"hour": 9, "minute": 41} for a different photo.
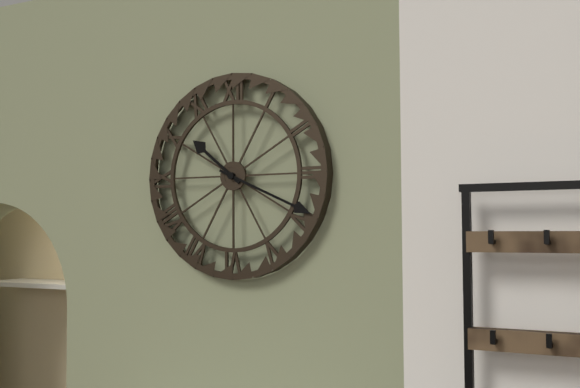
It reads {"hour": 10, "minute": 19}
